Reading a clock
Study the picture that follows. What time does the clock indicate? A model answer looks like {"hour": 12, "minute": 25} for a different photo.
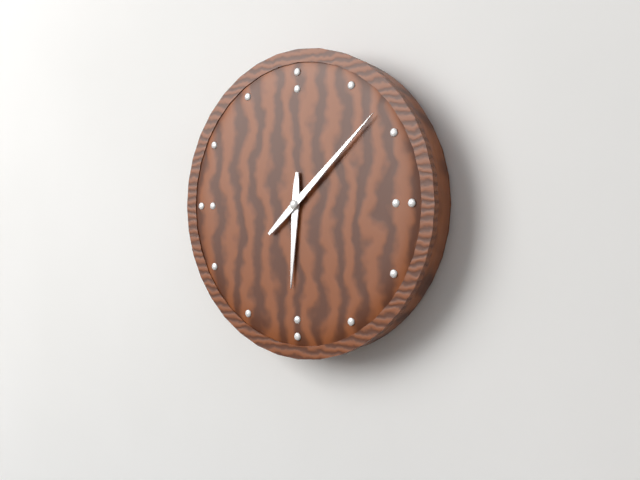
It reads {"hour": 6, "minute": 8}
